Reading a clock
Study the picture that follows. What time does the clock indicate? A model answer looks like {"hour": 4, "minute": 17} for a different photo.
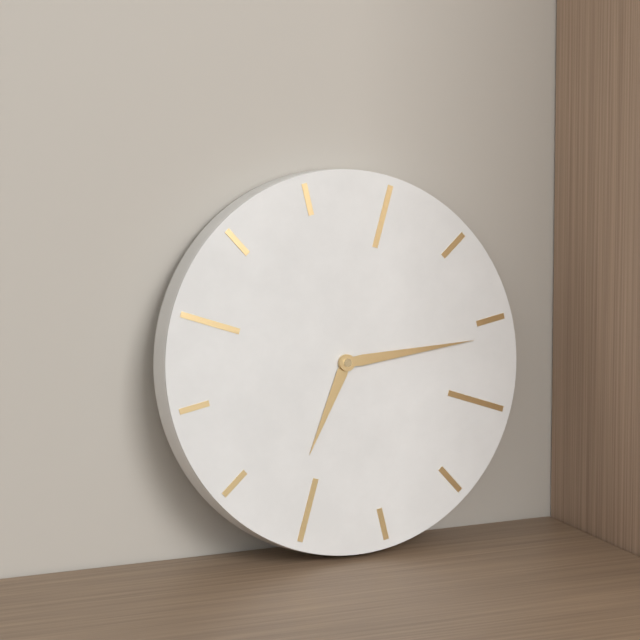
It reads {"hour": 7, "minute": 16}
